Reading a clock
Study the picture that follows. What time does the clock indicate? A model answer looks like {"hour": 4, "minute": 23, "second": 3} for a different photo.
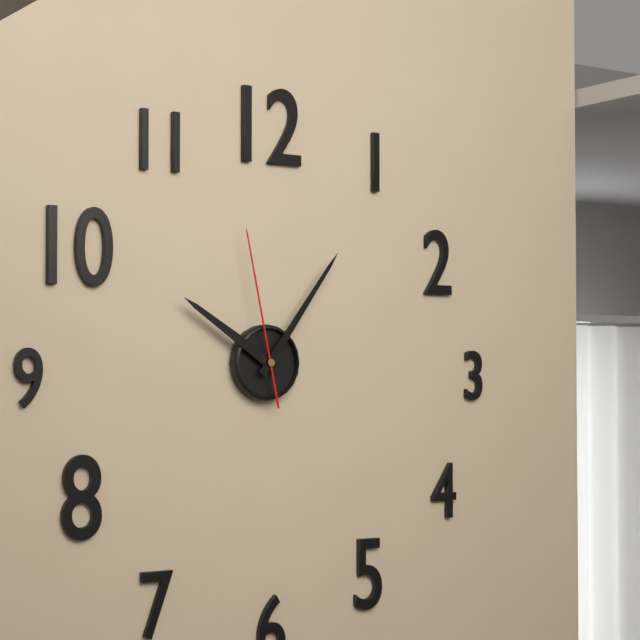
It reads {"hour": 10, "minute": 6, "second": 58}
